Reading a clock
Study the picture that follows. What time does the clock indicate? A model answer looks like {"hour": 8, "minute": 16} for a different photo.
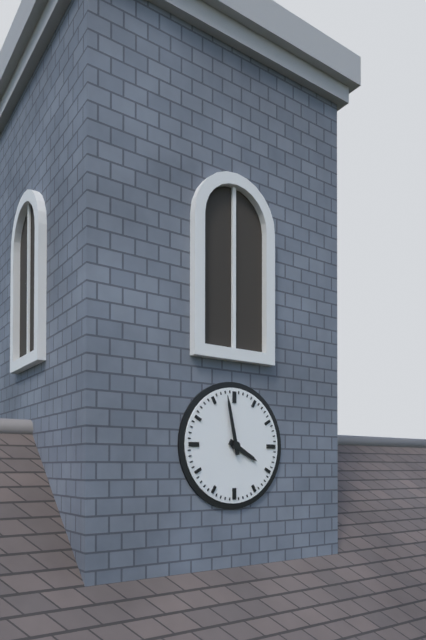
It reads {"hour": 3, "minute": 58}
